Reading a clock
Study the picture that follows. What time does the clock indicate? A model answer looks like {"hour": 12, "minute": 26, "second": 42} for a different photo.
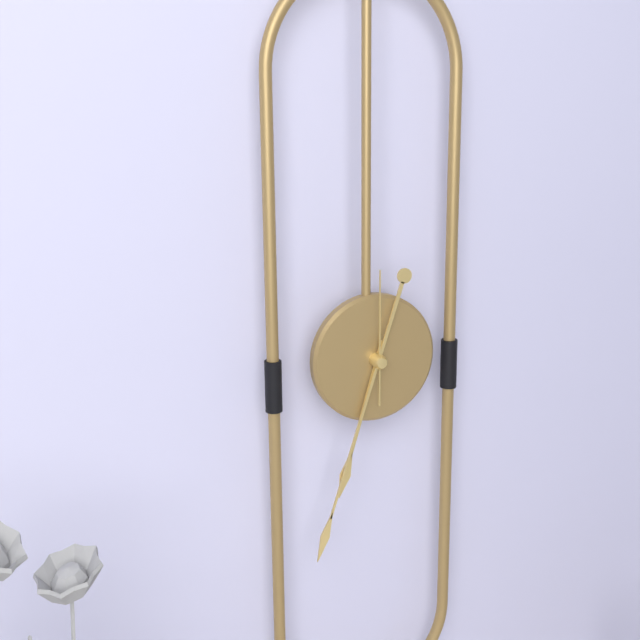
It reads {"hour": 6, "minute": 33, "second": 0}
